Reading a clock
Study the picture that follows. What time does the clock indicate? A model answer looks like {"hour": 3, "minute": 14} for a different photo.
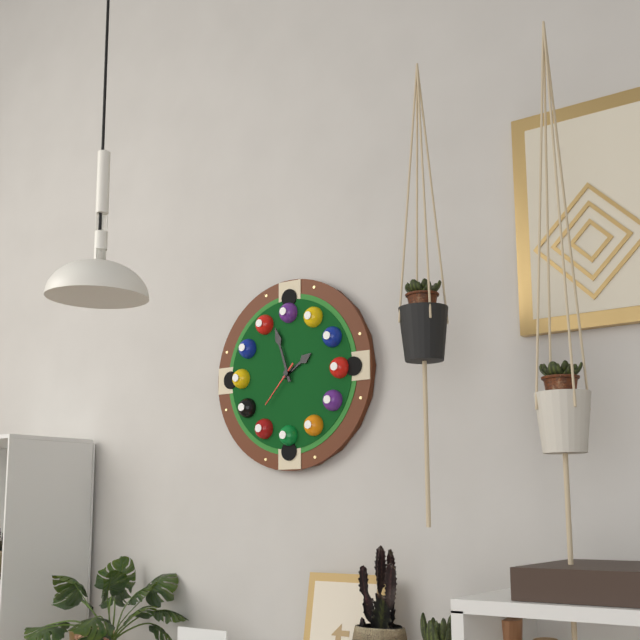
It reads {"hour": 1, "minute": 57}
